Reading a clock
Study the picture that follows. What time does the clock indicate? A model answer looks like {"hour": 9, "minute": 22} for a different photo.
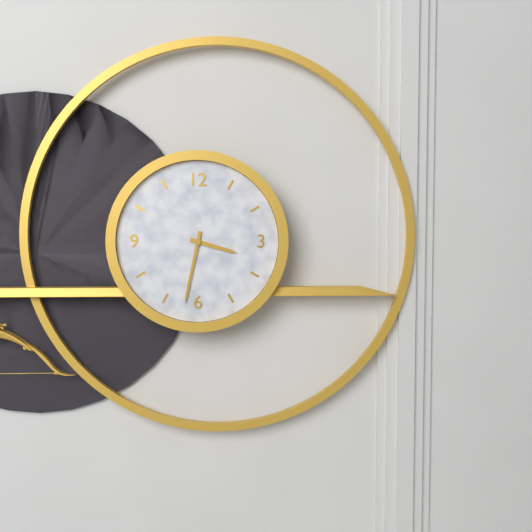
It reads {"hour": 3, "minute": 32}
